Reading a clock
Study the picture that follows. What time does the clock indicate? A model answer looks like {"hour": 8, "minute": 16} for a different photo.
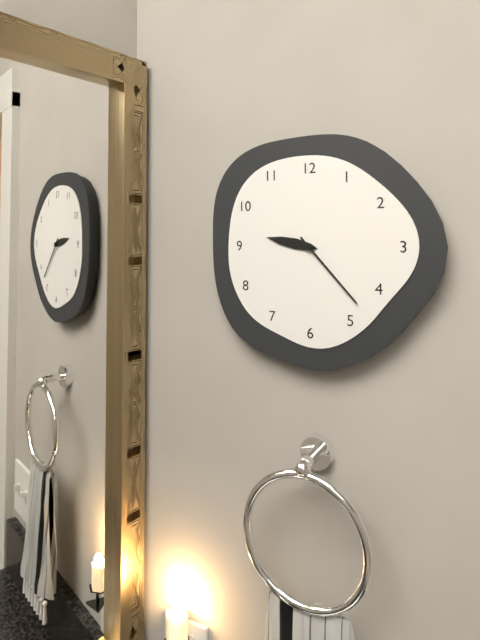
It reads {"hour": 9, "minute": 23}
